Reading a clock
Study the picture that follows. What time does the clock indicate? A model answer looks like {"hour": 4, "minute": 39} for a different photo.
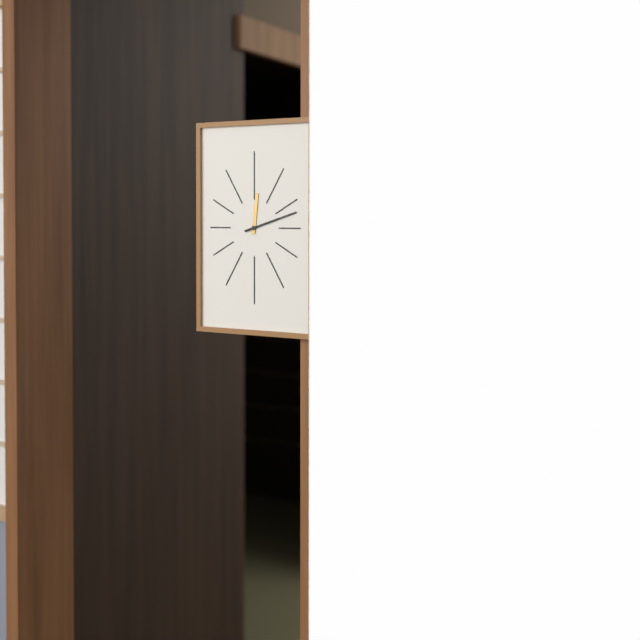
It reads {"hour": 12, "minute": 12}
